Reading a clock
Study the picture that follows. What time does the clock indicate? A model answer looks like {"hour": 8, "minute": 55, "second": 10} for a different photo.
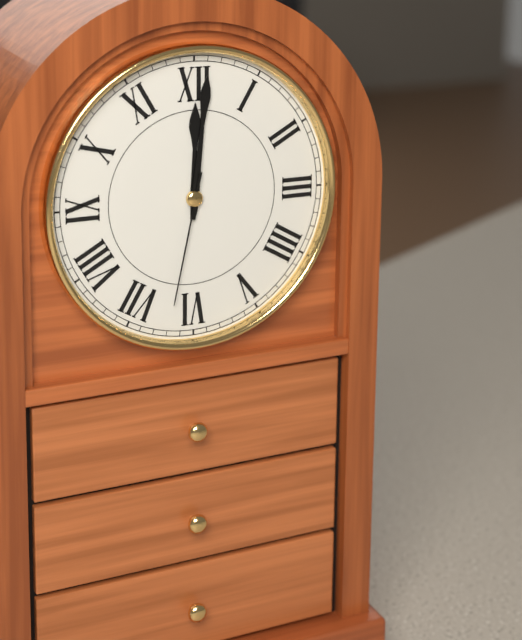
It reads {"hour": 12, "minute": 1, "second": 32}
